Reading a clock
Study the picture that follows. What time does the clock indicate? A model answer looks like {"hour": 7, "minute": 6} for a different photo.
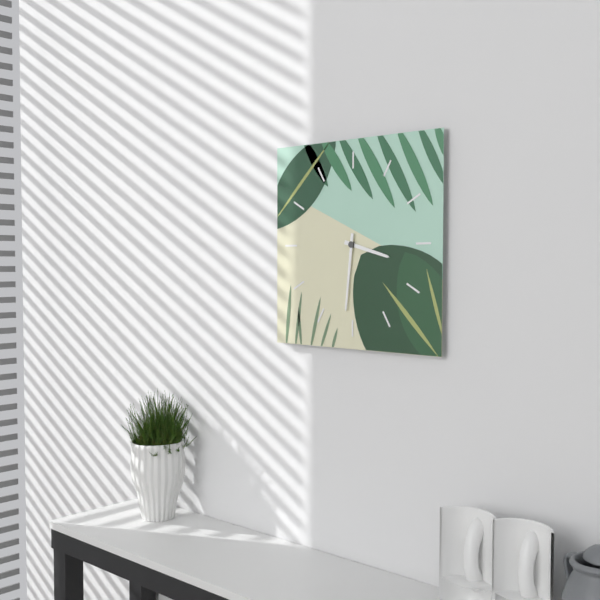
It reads {"hour": 3, "minute": 31}
